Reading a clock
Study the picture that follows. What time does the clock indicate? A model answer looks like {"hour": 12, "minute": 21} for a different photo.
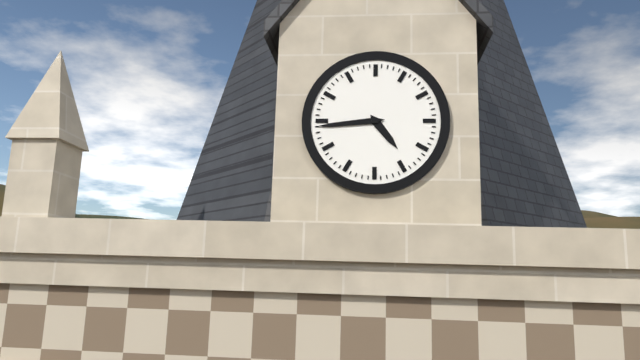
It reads {"hour": 4, "minute": 44}
